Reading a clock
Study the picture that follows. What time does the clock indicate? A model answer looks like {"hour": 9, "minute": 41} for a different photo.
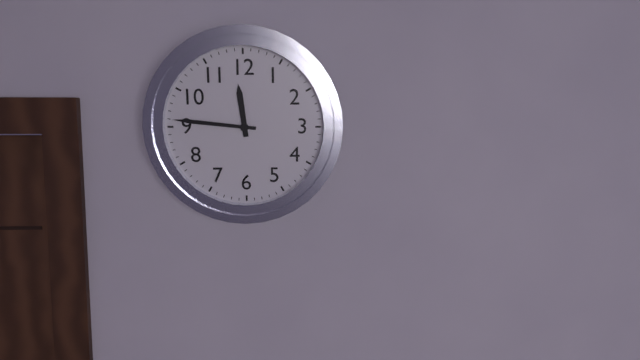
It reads {"hour": 11, "minute": 46}
